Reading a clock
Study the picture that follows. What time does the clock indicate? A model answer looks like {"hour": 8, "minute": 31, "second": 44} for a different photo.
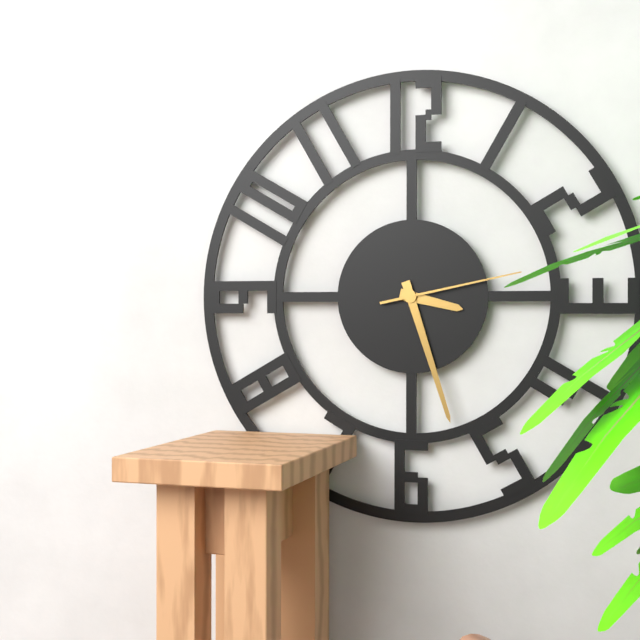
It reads {"hour": 3, "minute": 27, "second": 13}
